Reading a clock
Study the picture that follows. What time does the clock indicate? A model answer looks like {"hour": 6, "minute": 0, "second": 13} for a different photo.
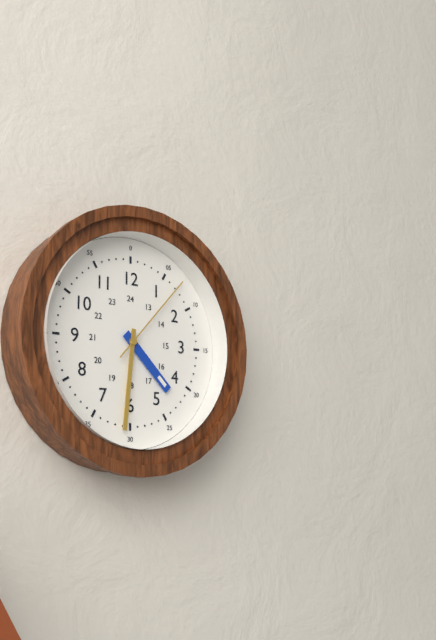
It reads {"hour": 4, "minute": 31, "second": 7}
